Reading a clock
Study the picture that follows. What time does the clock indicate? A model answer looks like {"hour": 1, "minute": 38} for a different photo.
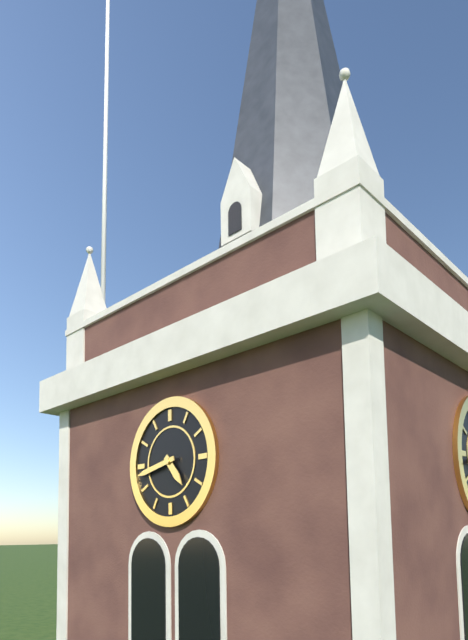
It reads {"hour": 4, "minute": 43}
